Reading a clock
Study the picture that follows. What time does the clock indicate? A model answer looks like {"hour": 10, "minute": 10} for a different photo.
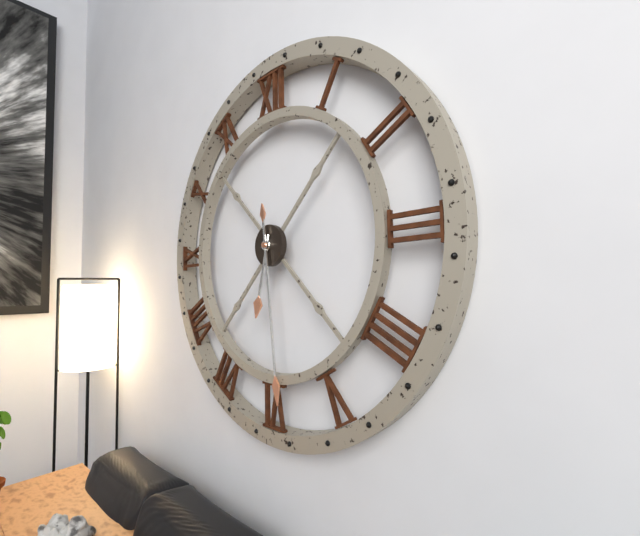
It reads {"hour": 6, "minute": 29}
